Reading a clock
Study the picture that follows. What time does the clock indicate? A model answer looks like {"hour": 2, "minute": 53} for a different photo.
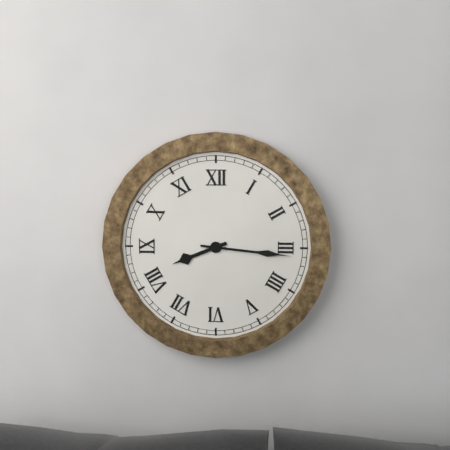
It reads {"hour": 8, "minute": 16}
